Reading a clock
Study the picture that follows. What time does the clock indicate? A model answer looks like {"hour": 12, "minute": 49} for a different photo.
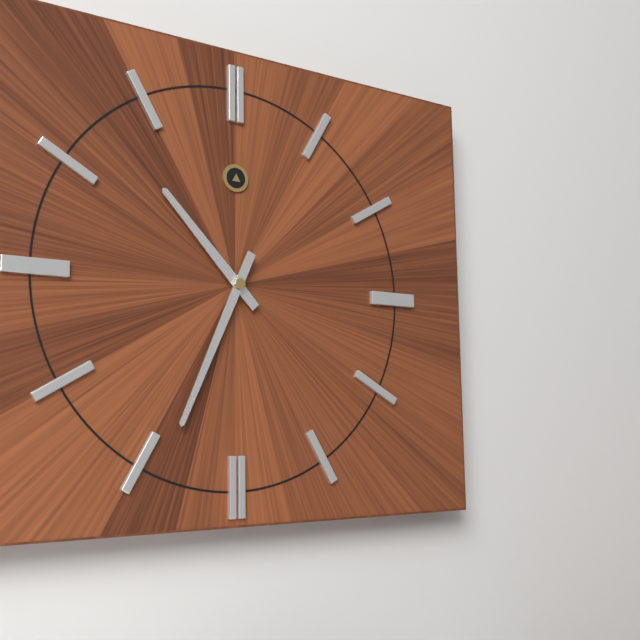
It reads {"hour": 10, "minute": 34}
